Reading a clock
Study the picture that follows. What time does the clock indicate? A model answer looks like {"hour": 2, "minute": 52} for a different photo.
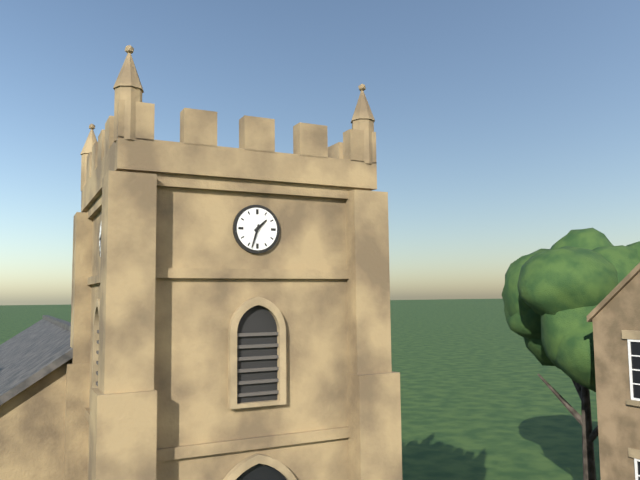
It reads {"hour": 1, "minute": 33}
